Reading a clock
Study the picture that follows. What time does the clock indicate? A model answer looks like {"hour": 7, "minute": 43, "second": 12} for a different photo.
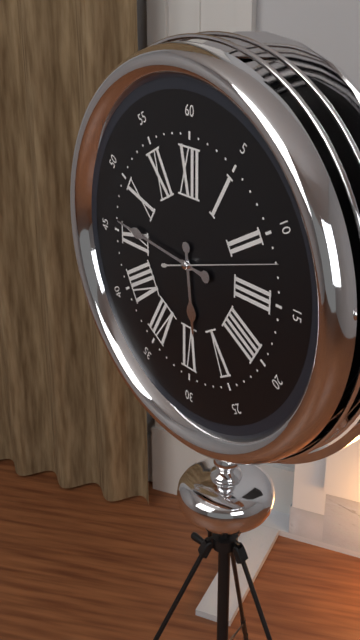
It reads {"hour": 5, "minute": 46, "second": 12}
